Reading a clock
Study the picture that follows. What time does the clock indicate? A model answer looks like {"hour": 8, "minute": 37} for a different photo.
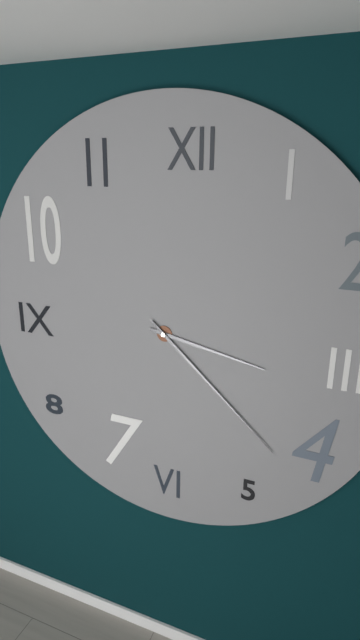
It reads {"hour": 3, "minute": 22}
